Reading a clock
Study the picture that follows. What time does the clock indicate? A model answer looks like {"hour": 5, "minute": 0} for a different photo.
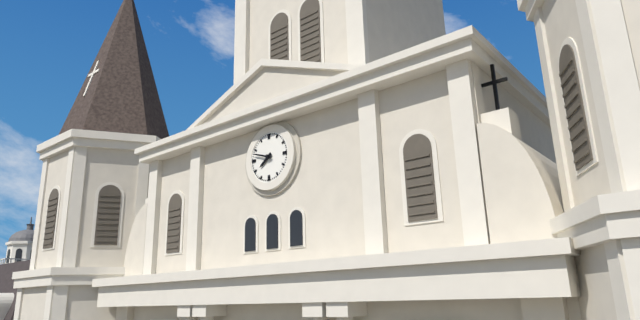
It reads {"hour": 7, "minute": 48}
